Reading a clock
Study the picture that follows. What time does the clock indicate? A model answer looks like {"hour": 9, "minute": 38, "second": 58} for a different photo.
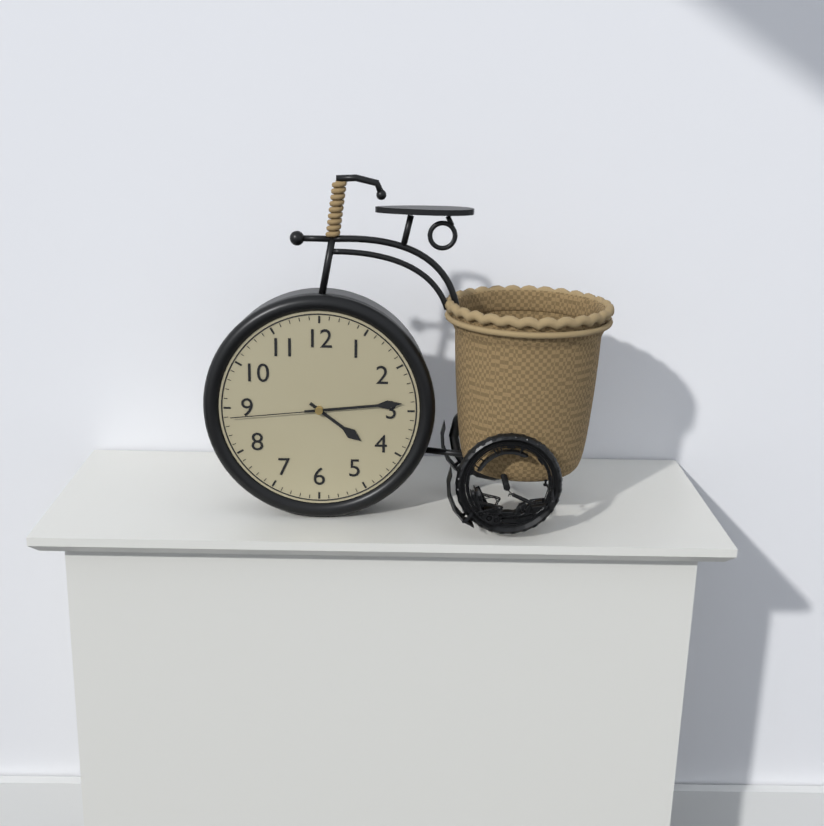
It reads {"hour": 4, "minute": 14, "second": 44}
